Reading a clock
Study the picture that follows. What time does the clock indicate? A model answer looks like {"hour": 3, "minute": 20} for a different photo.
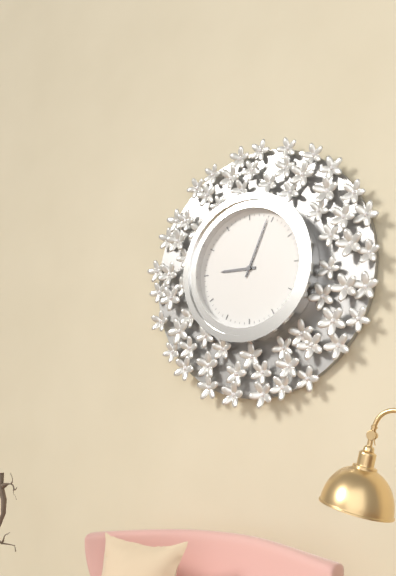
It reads {"hour": 9, "minute": 4}
